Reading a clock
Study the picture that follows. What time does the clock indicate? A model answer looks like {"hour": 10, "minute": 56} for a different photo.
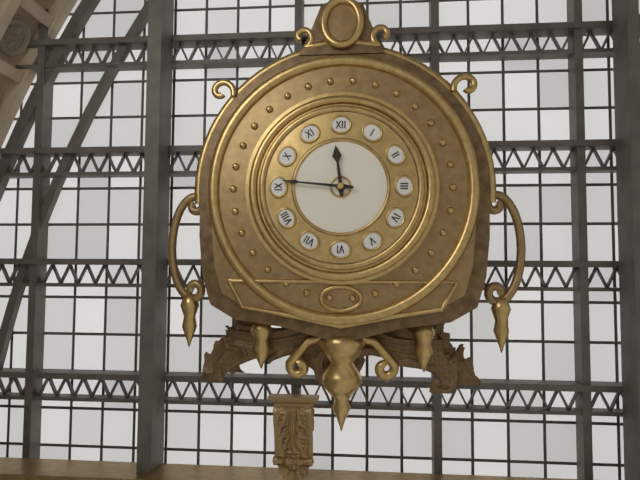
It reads {"hour": 11, "minute": 46}
